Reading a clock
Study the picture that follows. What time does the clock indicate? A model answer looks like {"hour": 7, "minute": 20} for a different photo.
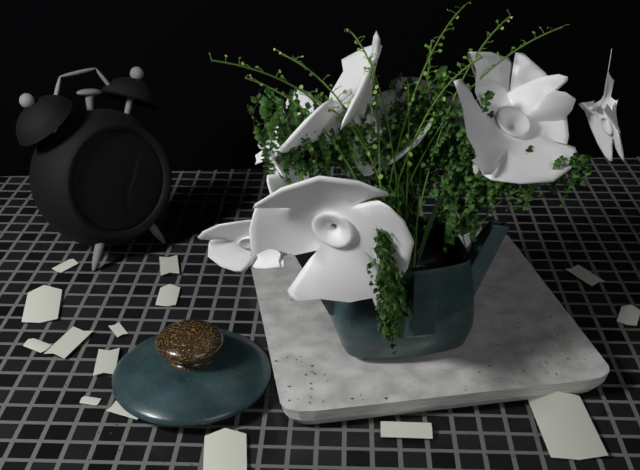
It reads {"hour": 6, "minute": 4}
